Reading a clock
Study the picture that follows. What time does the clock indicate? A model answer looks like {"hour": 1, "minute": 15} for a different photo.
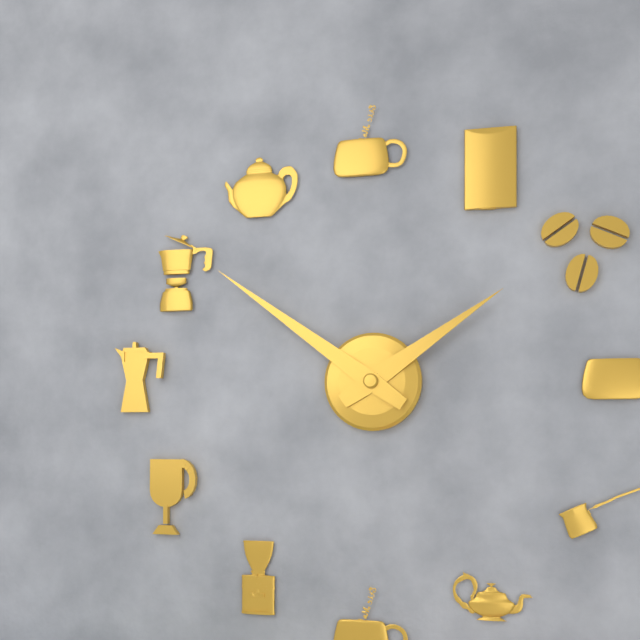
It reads {"hour": 1, "minute": 51}
